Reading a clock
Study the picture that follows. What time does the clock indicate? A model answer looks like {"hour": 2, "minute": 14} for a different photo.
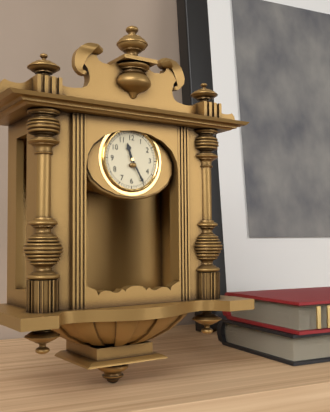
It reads {"hour": 11, "minute": 25}
